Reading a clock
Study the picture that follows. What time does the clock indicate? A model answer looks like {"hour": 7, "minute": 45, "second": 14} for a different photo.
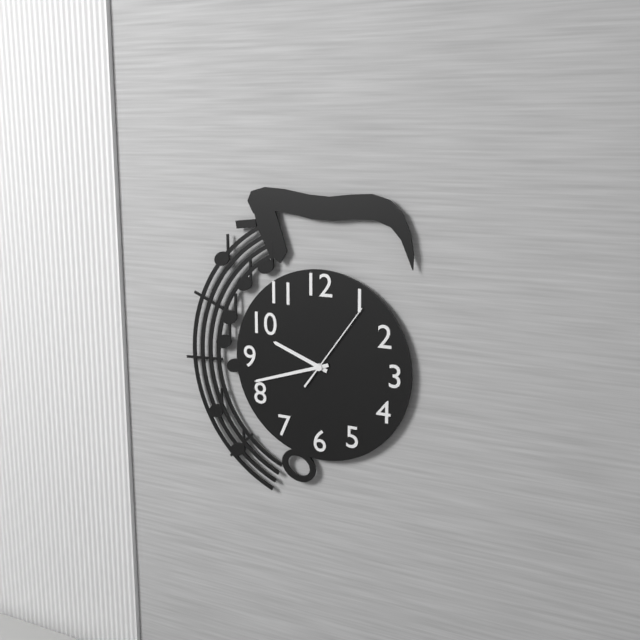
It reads {"hour": 9, "minute": 42, "second": 6}
